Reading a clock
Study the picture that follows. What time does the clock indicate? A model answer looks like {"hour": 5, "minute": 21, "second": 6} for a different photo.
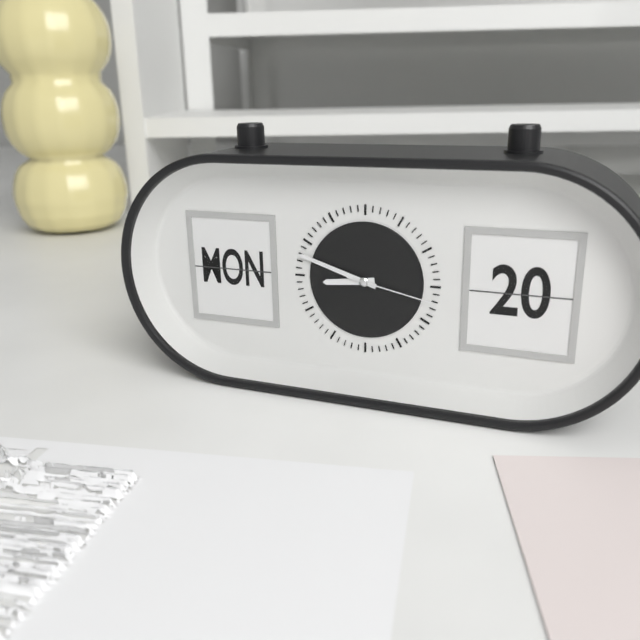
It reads {"hour": 8, "minute": 48, "second": 17}
